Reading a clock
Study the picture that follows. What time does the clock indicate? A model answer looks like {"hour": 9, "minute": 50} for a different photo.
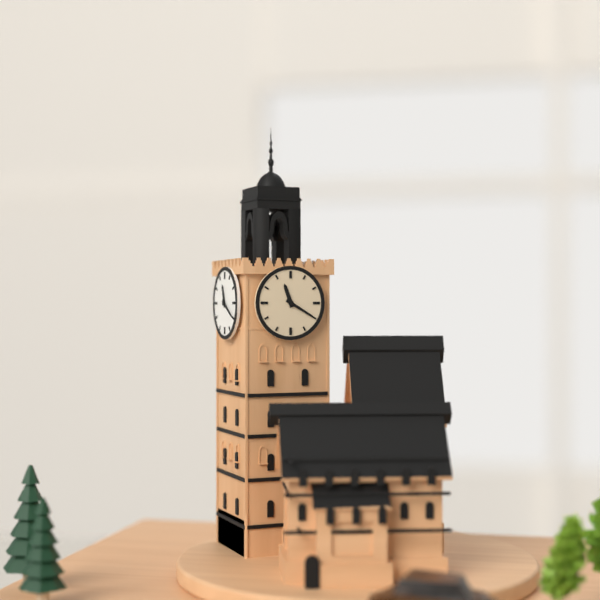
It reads {"hour": 11, "minute": 20}
